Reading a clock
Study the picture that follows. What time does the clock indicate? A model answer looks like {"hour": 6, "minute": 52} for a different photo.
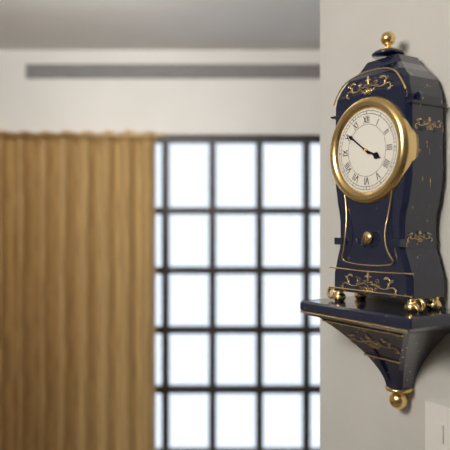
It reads {"hour": 3, "minute": 51}
